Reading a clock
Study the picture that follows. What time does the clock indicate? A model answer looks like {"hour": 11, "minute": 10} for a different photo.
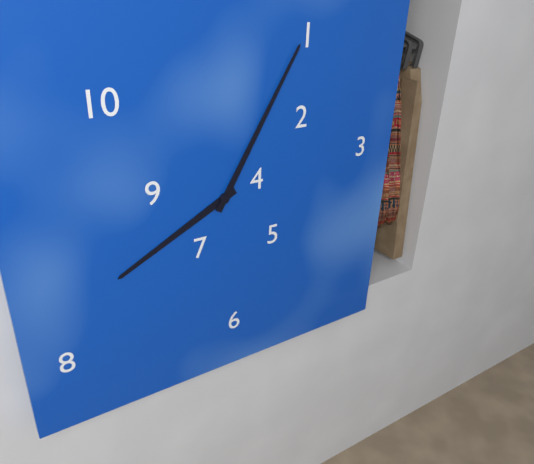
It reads {"hour": 8, "minute": 5}
